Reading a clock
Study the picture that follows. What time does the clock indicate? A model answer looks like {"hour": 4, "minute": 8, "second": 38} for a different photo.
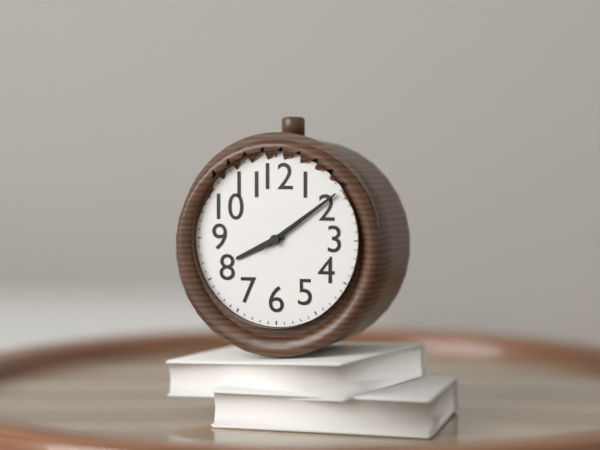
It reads {"hour": 8, "minute": 9, "second": 9}
